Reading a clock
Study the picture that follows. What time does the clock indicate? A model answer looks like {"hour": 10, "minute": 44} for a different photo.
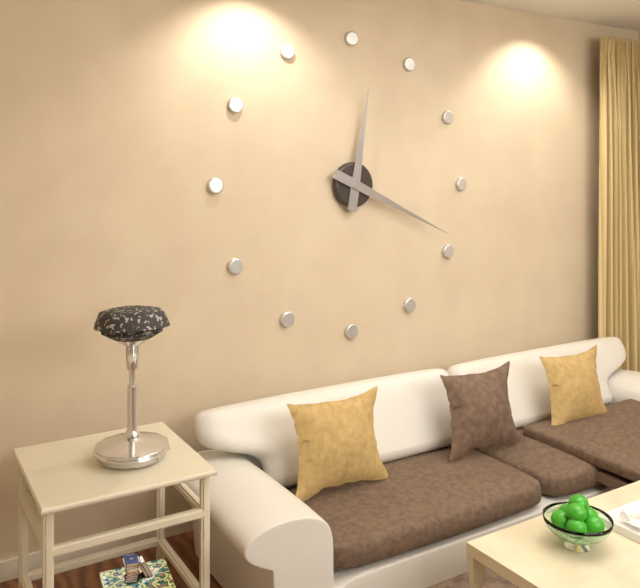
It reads {"hour": 12, "minute": 19}
